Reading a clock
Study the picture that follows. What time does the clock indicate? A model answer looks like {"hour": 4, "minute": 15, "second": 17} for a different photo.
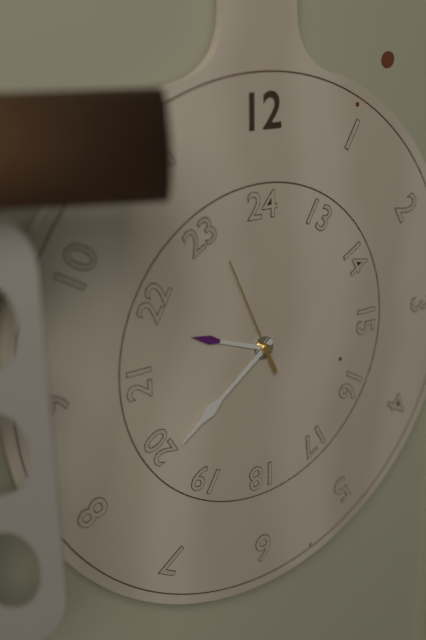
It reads {"hour": 9, "minute": 39, "second": 56}
